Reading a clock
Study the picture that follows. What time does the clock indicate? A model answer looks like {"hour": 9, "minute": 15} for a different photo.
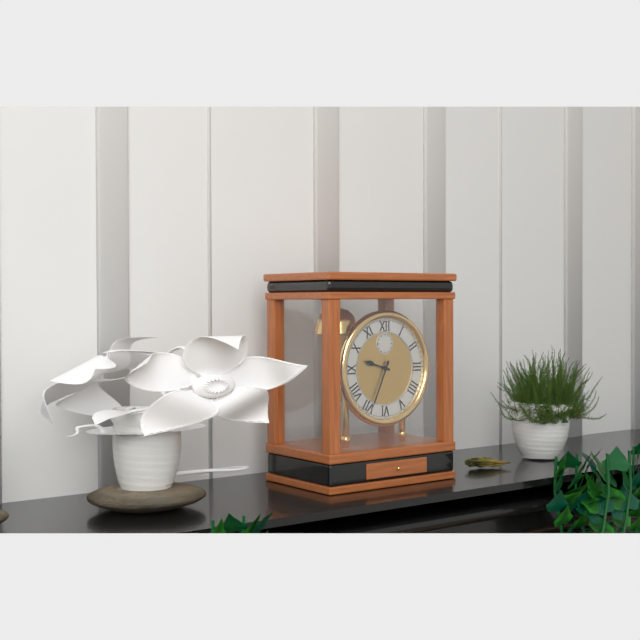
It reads {"hour": 9, "minute": 34}
